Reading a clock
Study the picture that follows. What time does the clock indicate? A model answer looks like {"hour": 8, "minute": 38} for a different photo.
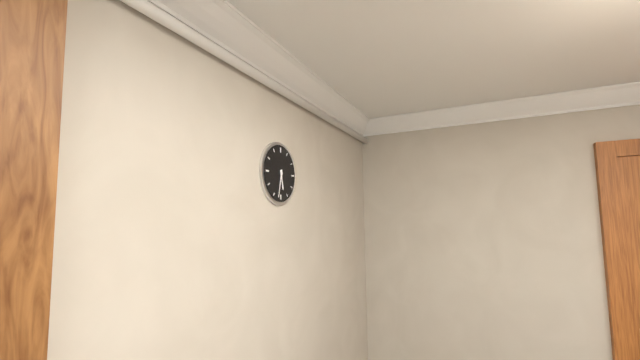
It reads {"hour": 5, "minute": 32}
